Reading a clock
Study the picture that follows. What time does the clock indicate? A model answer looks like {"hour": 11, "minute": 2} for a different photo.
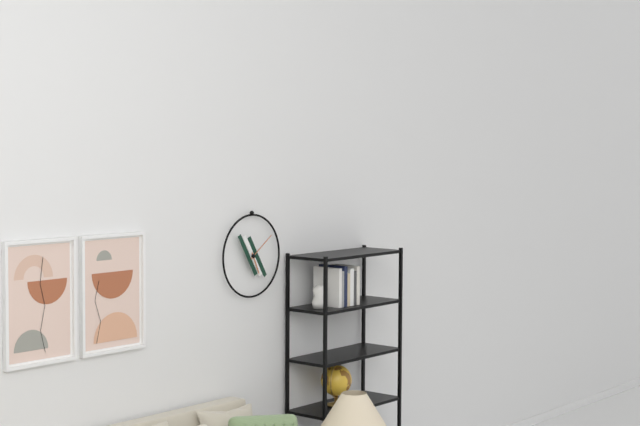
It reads {"hour": 5, "minute": 9}
